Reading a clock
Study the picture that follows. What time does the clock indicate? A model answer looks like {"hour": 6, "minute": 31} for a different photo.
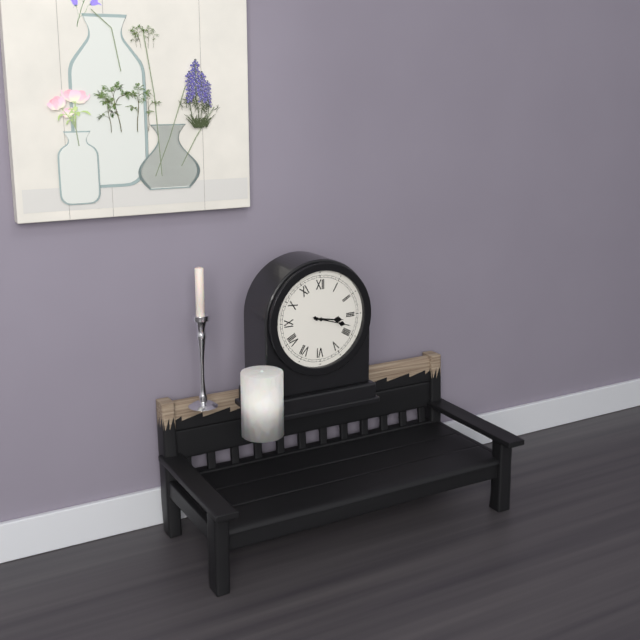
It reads {"hour": 3, "minute": 18}
